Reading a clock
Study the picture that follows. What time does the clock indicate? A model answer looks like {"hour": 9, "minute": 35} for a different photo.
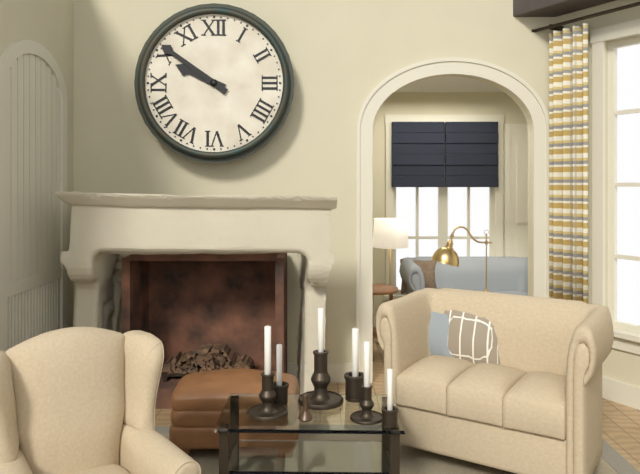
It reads {"hour": 9, "minute": 51}
